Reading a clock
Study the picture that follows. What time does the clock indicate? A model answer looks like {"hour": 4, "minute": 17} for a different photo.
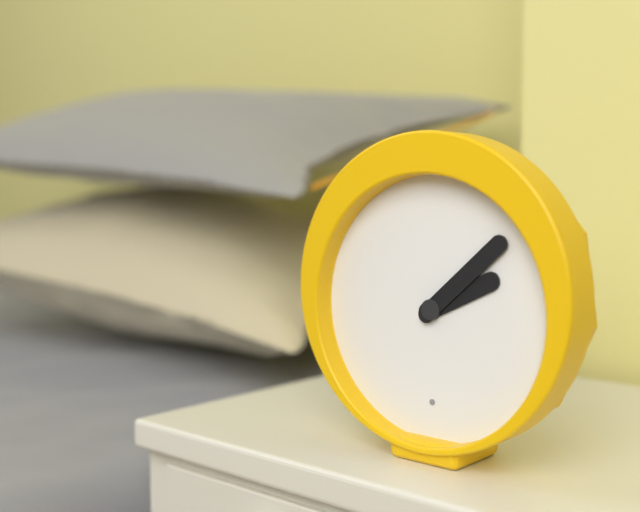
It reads {"hour": 2, "minute": 8}
